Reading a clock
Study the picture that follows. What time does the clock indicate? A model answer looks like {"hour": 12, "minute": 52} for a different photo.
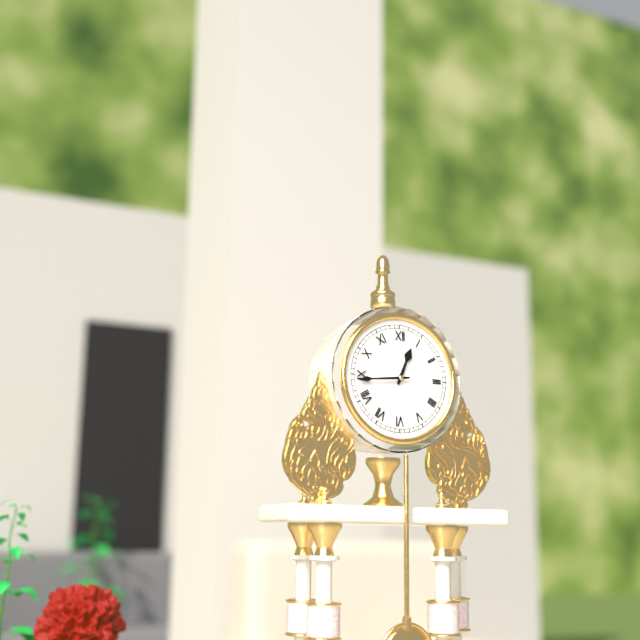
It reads {"hour": 12, "minute": 44}
